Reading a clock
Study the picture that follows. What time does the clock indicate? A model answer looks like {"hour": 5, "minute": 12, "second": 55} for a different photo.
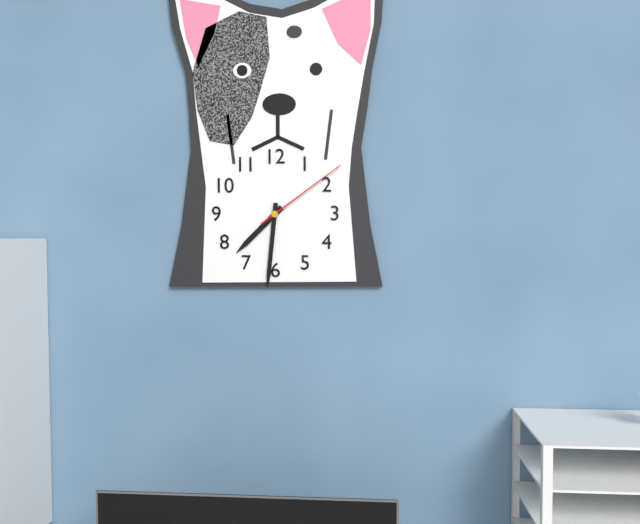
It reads {"hour": 7, "minute": 31, "second": 9}
